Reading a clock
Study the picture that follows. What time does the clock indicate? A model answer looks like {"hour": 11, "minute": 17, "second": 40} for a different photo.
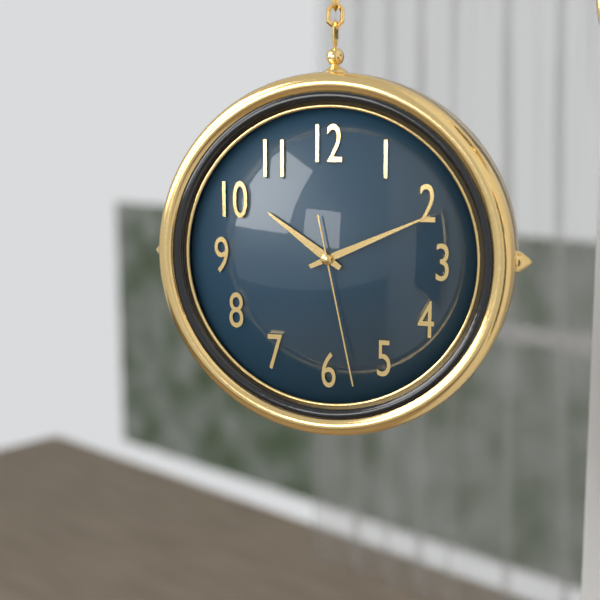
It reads {"hour": 10, "minute": 11, "second": 28}
